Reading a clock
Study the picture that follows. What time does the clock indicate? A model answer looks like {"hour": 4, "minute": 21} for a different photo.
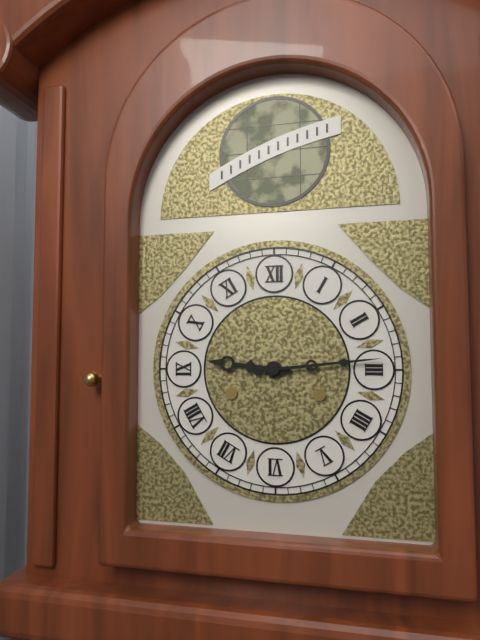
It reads {"hour": 9, "minute": 14}
